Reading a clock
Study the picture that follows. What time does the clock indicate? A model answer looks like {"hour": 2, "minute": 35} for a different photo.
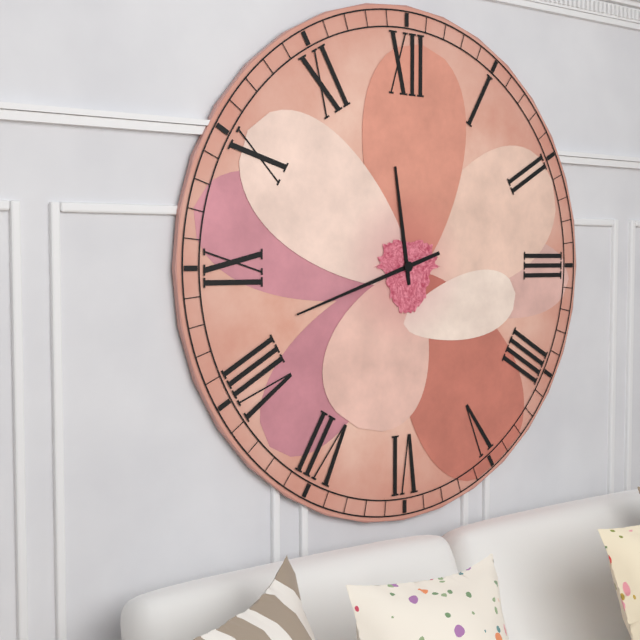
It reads {"hour": 11, "minute": 42}
